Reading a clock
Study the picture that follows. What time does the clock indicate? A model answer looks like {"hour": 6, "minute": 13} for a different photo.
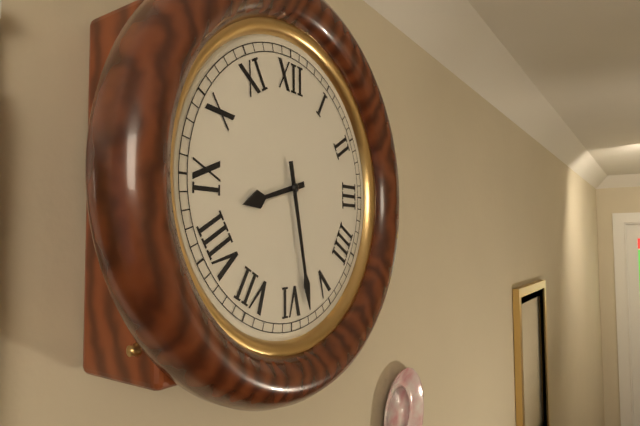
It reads {"hour": 8, "minute": 28}
